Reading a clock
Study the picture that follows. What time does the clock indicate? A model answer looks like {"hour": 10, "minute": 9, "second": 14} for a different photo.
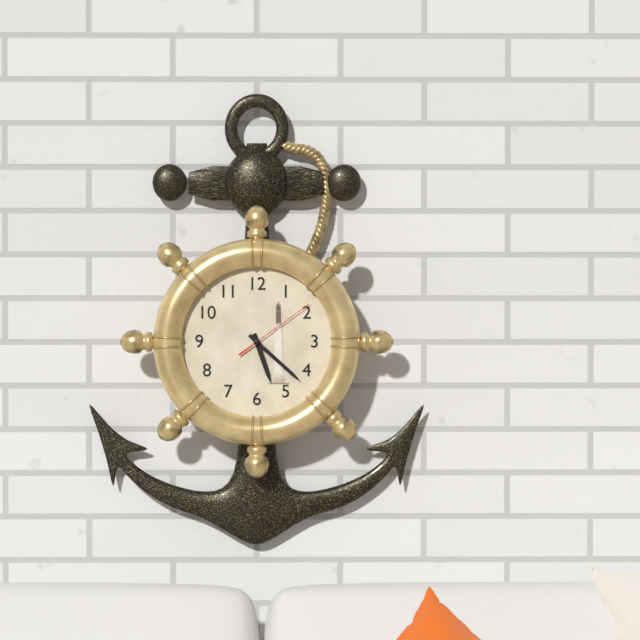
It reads {"hour": 5, "minute": 22, "second": 9}
